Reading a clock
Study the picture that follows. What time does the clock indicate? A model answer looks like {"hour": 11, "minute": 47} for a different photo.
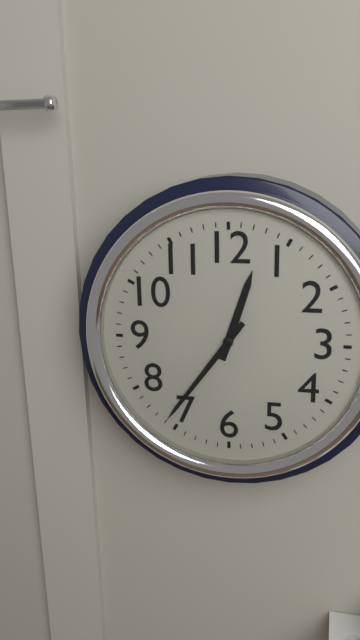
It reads {"hour": 12, "minute": 36}
